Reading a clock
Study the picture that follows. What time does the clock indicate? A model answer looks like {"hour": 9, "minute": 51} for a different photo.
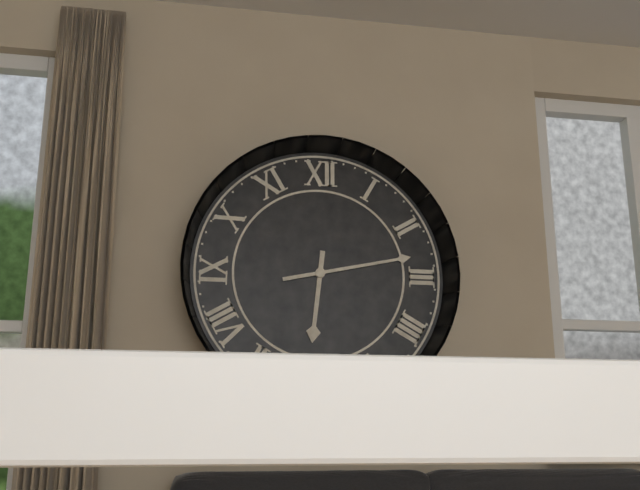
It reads {"hour": 6, "minute": 13}
